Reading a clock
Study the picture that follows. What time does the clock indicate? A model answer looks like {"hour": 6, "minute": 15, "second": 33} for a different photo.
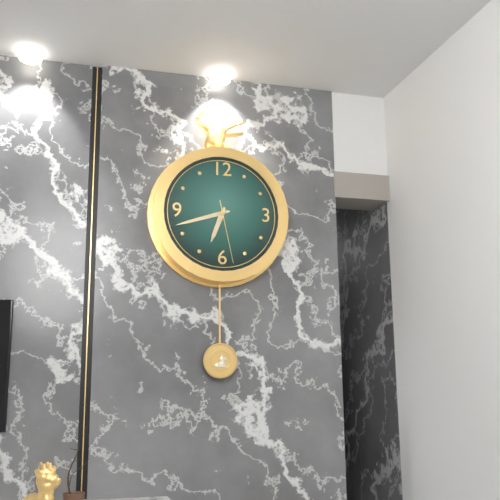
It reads {"hour": 6, "minute": 42, "second": 28}
